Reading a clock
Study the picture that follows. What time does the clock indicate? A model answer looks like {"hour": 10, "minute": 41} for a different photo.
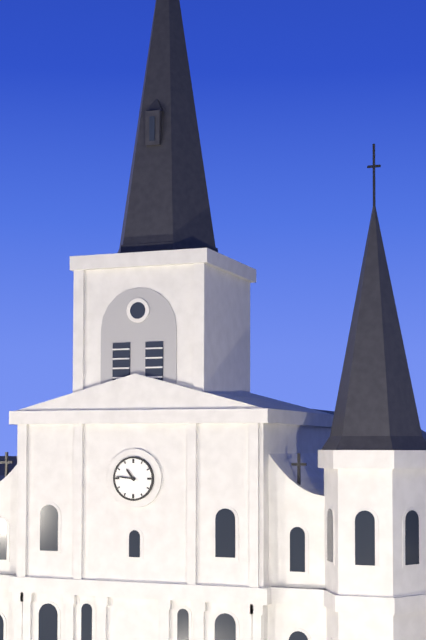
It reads {"hour": 10, "minute": 46}
